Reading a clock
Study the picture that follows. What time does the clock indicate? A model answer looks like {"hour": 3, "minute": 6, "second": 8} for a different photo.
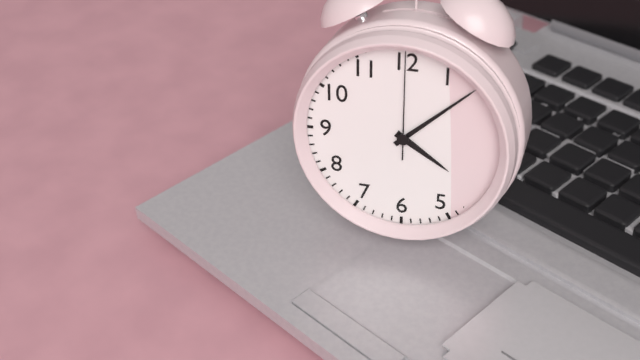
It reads {"hour": 4, "minute": 8, "second": 0}
